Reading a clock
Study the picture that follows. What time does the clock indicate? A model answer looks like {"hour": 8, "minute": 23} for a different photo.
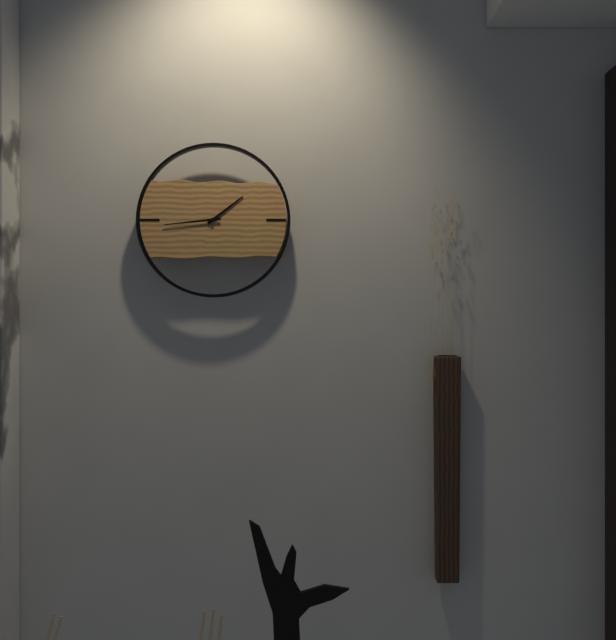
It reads {"hour": 1, "minute": 44}
